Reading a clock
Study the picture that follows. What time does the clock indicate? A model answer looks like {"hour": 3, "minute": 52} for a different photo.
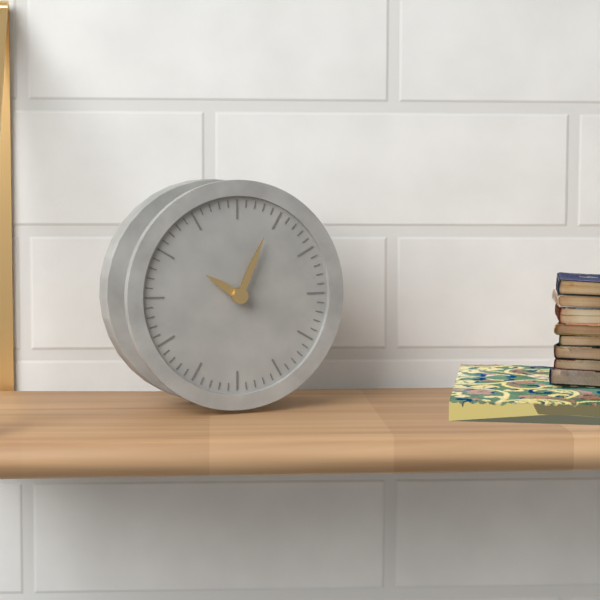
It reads {"hour": 10, "minute": 4}
